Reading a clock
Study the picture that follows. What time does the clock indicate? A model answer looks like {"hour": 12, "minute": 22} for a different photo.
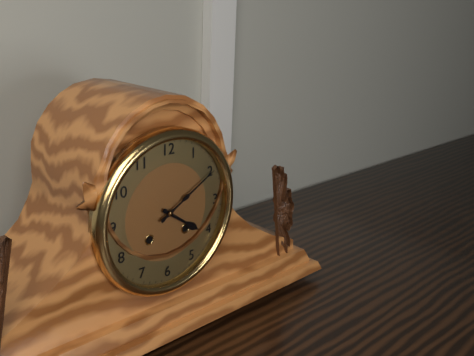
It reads {"hour": 4, "minute": 10}
